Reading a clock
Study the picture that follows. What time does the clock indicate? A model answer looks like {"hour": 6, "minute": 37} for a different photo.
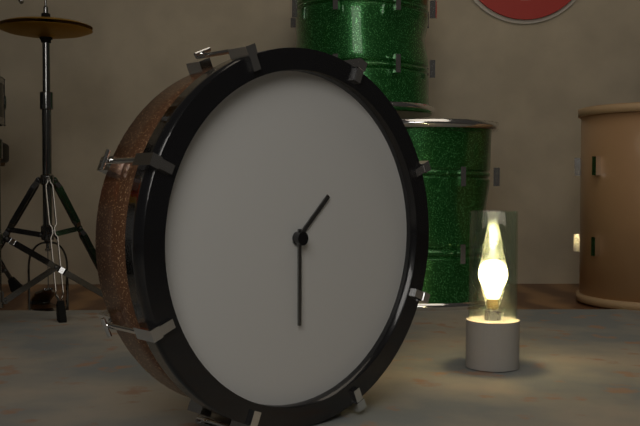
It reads {"hour": 1, "minute": 30}
